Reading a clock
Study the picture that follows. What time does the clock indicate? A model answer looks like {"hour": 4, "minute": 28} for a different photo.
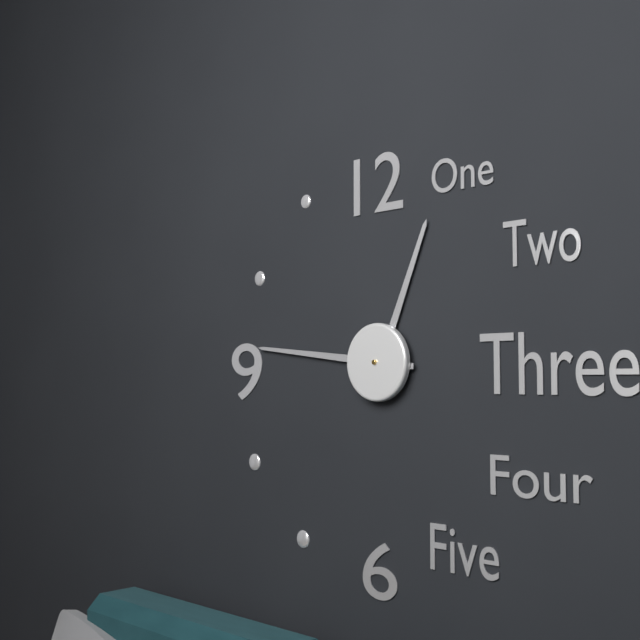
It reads {"hour": 12, "minute": 46}
